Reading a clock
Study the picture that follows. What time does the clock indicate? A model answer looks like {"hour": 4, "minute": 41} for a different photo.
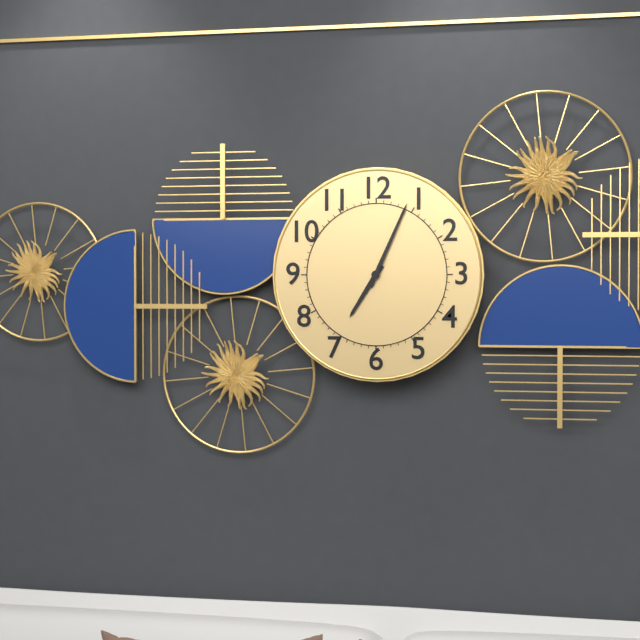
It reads {"hour": 7, "minute": 4}
